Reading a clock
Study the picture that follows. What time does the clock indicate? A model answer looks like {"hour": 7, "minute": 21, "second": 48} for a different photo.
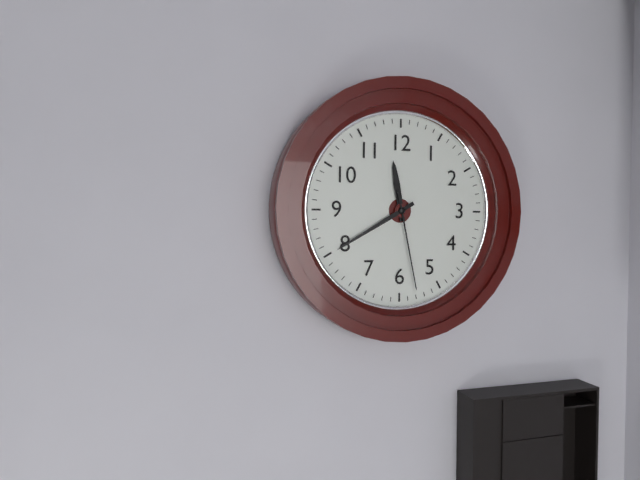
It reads {"hour": 11, "minute": 40, "second": 28}
